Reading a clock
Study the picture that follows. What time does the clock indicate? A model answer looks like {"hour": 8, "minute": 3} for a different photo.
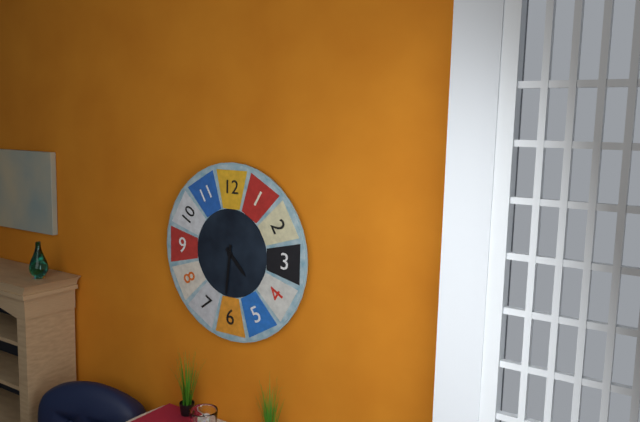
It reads {"hour": 4, "minute": 31}
